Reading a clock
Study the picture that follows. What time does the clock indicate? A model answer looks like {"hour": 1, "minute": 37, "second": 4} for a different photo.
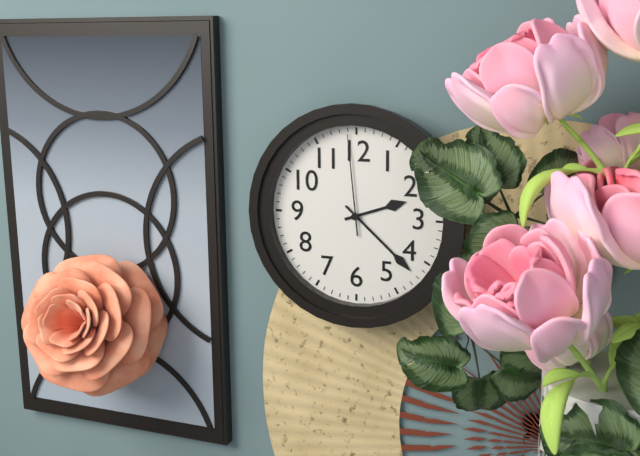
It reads {"hour": 2, "minute": 22, "second": 59}
